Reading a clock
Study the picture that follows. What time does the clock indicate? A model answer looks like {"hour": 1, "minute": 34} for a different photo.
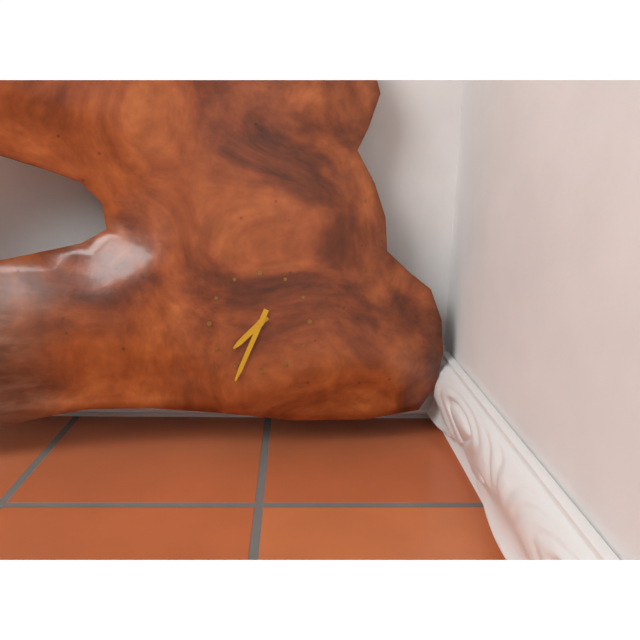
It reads {"hour": 7, "minute": 34}
